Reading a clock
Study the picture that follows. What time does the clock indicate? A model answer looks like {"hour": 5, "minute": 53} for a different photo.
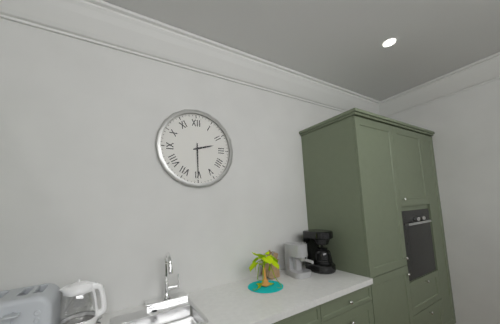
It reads {"hour": 2, "minute": 30}
